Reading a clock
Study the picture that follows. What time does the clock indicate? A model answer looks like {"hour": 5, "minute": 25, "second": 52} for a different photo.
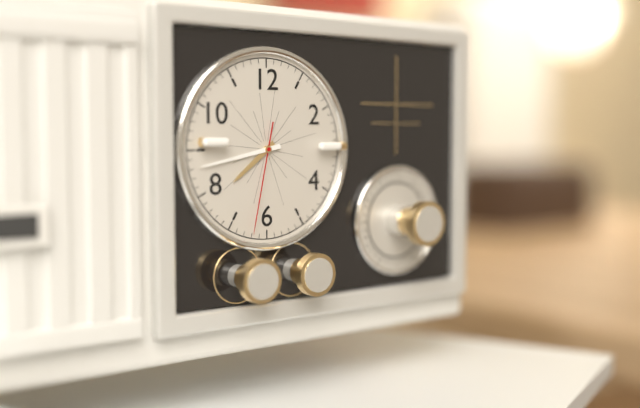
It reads {"hour": 7, "minute": 43, "second": 32}
